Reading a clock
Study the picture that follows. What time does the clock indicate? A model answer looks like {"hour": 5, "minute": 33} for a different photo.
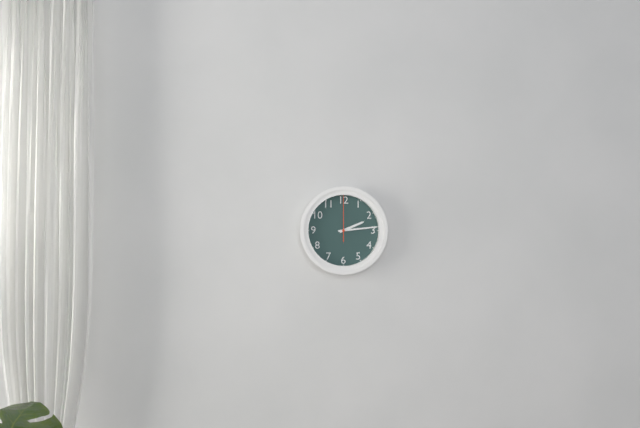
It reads {"hour": 2, "minute": 14}
